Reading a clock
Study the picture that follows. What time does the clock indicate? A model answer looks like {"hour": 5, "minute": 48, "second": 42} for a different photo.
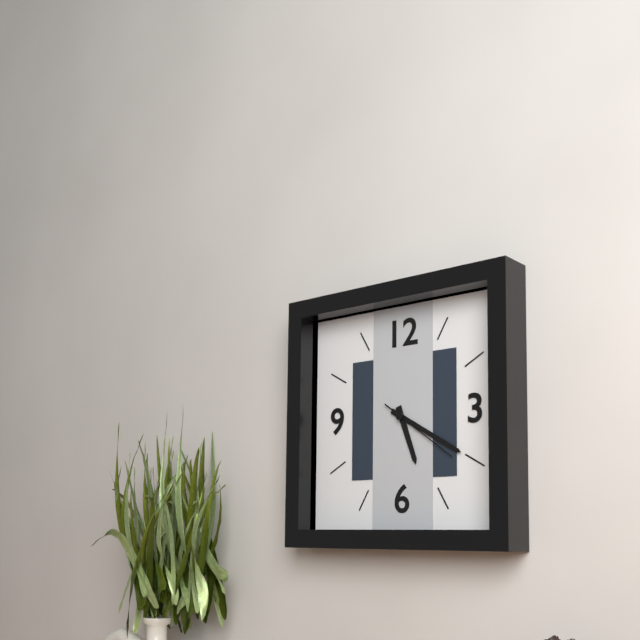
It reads {"hour": 5, "minute": 20, "second": 21}
